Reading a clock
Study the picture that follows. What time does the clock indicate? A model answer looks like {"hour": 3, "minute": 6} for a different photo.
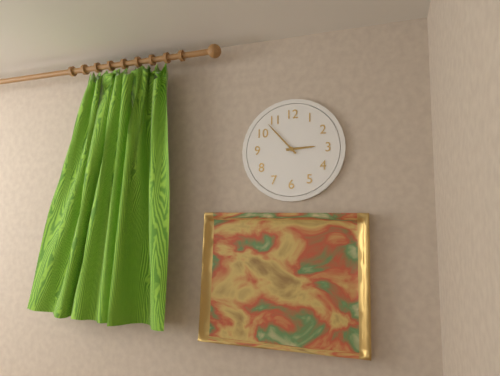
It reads {"hour": 2, "minute": 53}
